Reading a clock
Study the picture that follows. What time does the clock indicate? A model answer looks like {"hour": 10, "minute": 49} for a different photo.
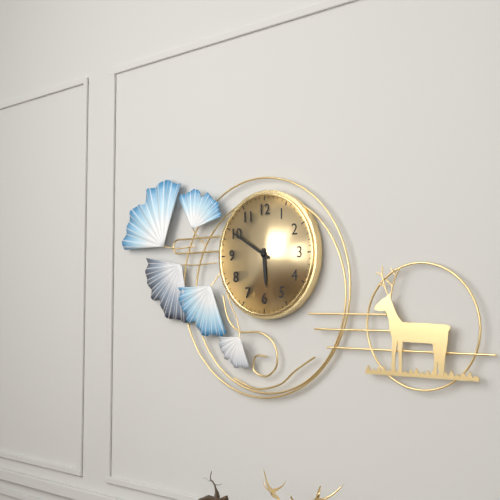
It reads {"hour": 5, "minute": 50}
